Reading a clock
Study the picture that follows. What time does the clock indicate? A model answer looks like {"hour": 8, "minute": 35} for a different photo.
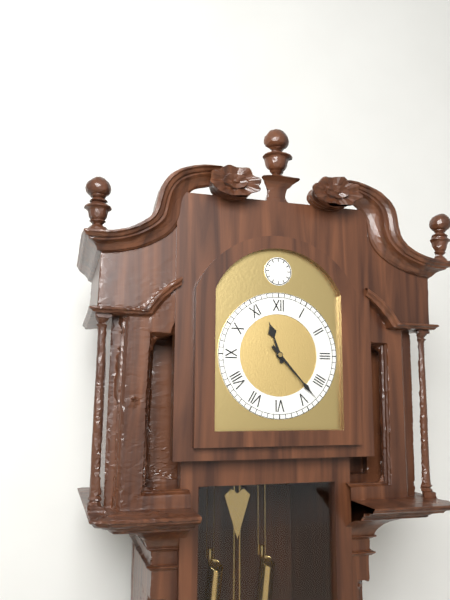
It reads {"hour": 11, "minute": 23}
